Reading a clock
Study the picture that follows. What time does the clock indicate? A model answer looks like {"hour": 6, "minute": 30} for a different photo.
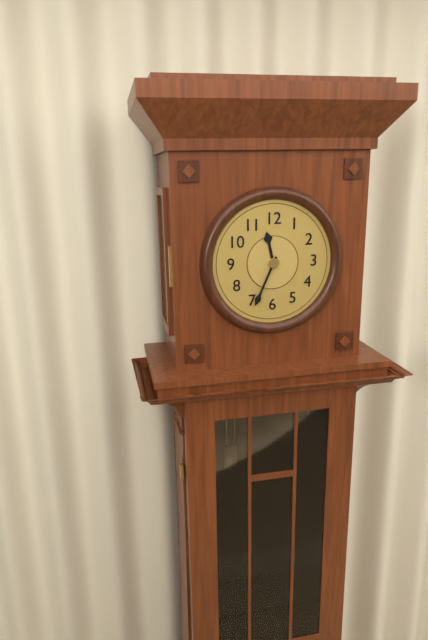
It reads {"hour": 11, "minute": 34}
